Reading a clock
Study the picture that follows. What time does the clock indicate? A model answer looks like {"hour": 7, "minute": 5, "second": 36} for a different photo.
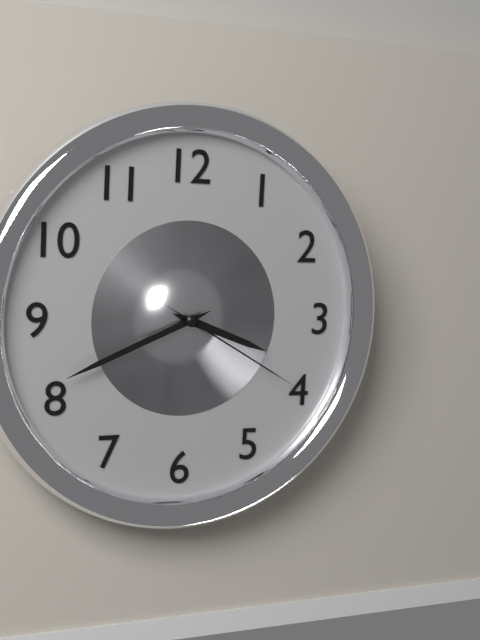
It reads {"hour": 3, "minute": 41, "second": 20}
